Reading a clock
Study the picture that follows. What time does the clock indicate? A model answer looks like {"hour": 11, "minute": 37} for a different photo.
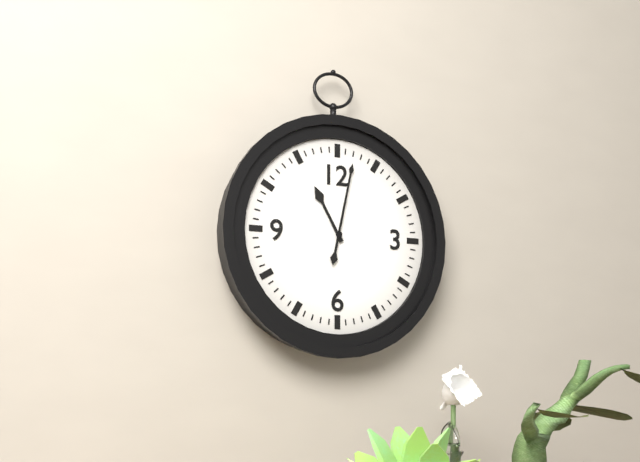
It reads {"hour": 11, "minute": 2}
